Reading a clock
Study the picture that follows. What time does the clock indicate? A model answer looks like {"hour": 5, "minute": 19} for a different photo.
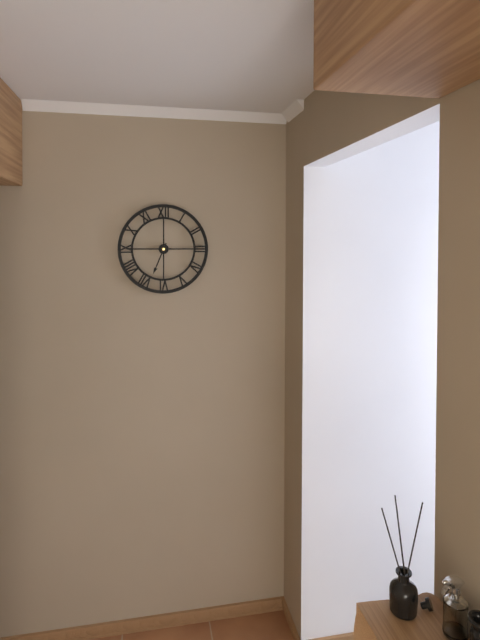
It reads {"hour": 6, "minute": 45}
